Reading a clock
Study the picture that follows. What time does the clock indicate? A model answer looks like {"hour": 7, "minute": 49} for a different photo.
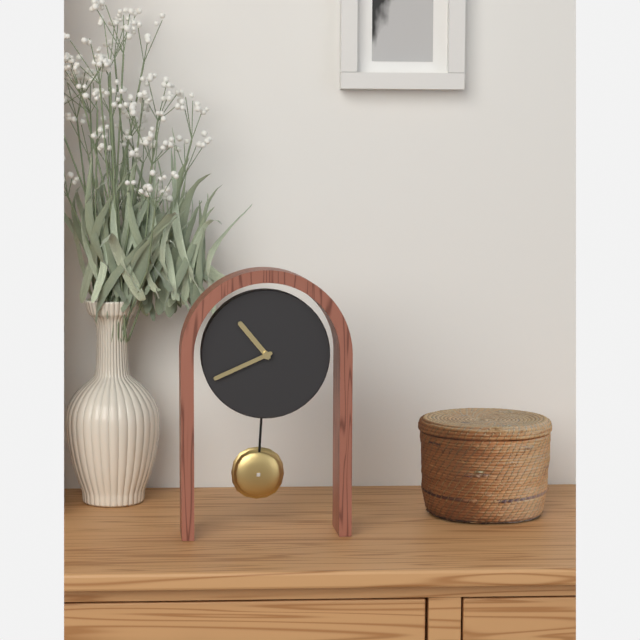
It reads {"hour": 10, "minute": 41}
